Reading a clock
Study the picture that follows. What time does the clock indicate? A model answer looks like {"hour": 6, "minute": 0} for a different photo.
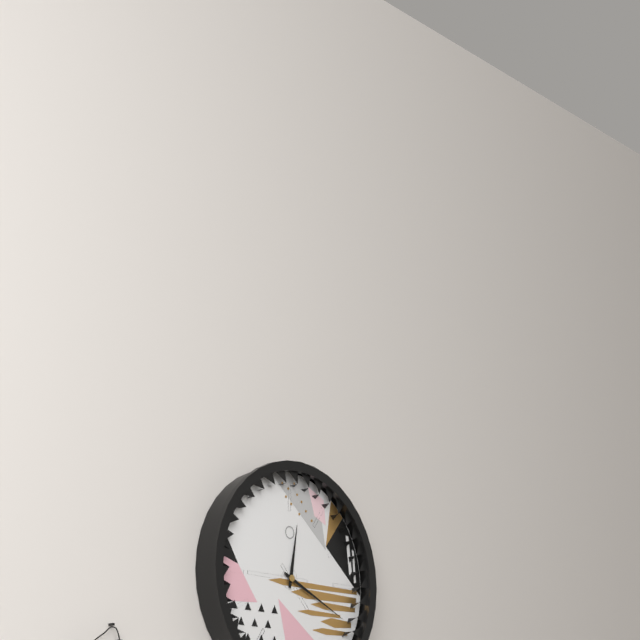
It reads {"hour": 12, "minute": 19}
